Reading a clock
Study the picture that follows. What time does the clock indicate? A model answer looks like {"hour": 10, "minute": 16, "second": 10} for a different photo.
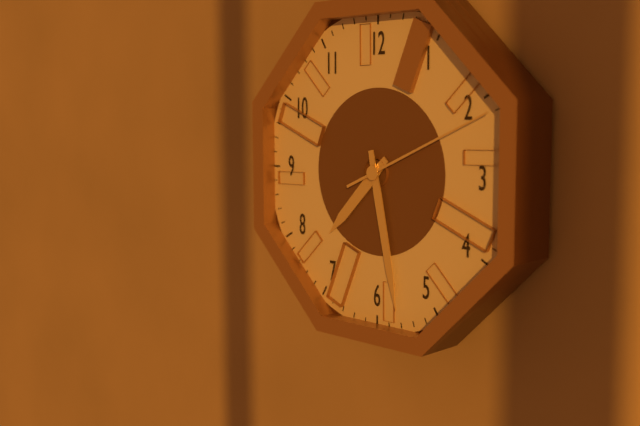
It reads {"hour": 7, "minute": 28, "second": 11}
